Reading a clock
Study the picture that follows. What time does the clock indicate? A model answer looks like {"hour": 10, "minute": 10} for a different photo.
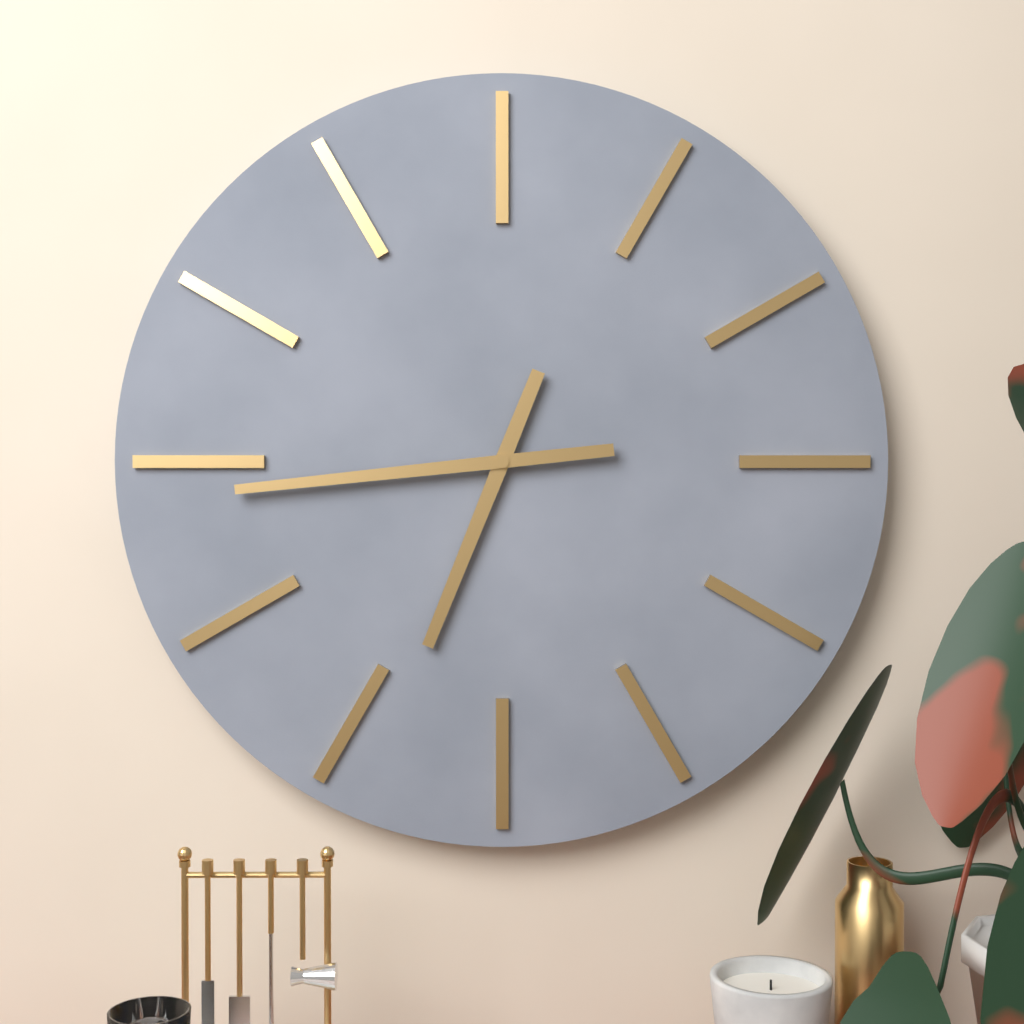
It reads {"hour": 6, "minute": 44}
